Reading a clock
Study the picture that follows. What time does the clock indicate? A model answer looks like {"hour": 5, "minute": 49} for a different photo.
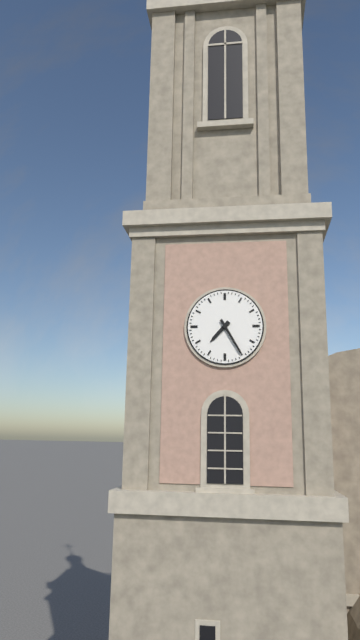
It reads {"hour": 7, "minute": 25}
